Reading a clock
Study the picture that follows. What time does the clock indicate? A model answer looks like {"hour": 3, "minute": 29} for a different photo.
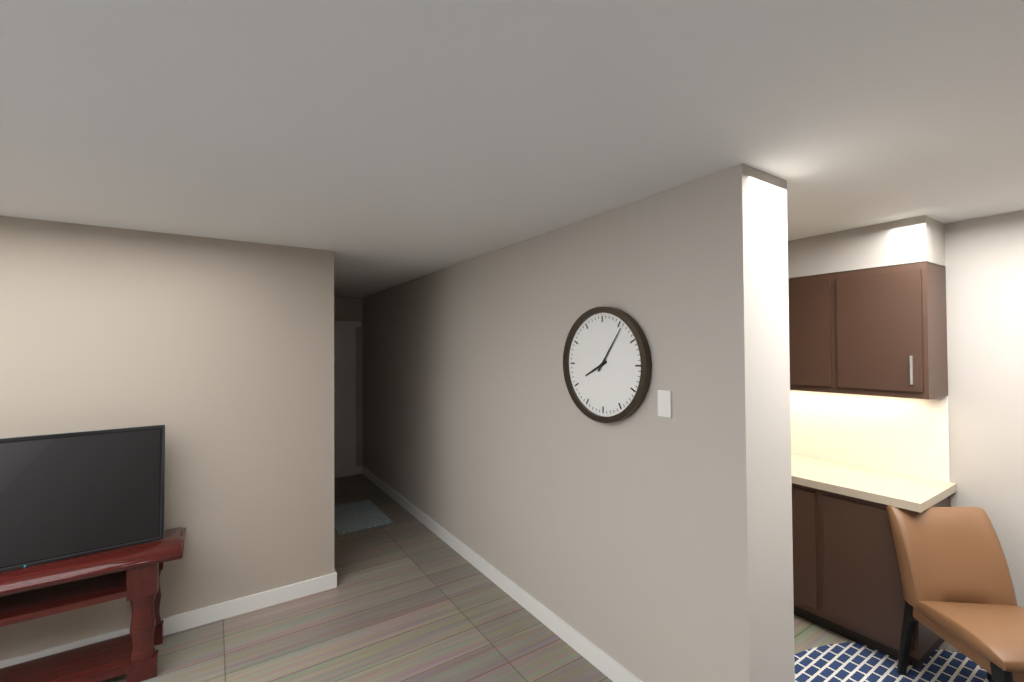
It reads {"hour": 8, "minute": 6}
